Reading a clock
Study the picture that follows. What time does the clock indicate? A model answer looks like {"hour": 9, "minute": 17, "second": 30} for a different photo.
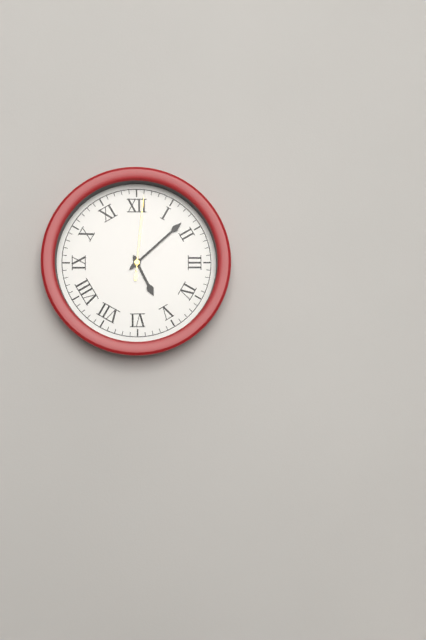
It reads {"hour": 5, "minute": 8, "second": 1}
